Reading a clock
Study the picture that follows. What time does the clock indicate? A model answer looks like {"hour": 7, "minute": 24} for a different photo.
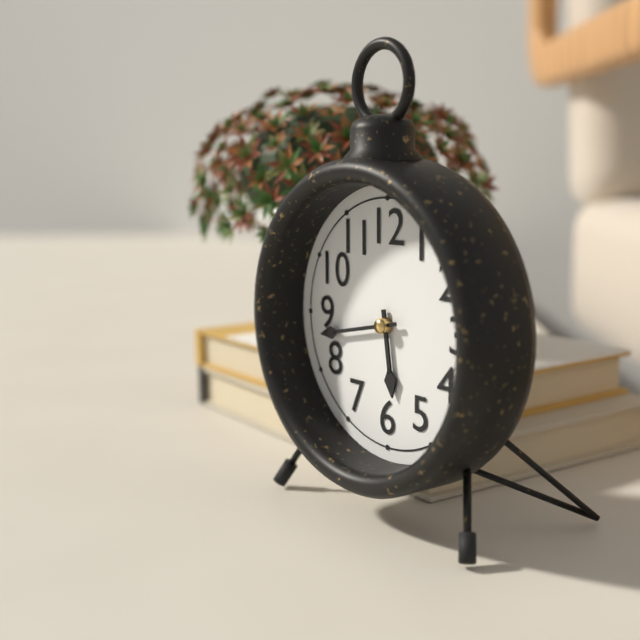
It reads {"hour": 5, "minute": 43}
